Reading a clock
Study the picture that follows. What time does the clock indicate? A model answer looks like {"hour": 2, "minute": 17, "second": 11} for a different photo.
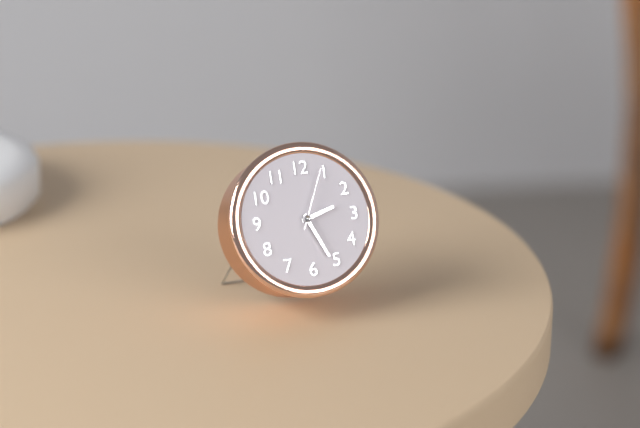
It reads {"hour": 2, "minute": 26, "second": 4}
